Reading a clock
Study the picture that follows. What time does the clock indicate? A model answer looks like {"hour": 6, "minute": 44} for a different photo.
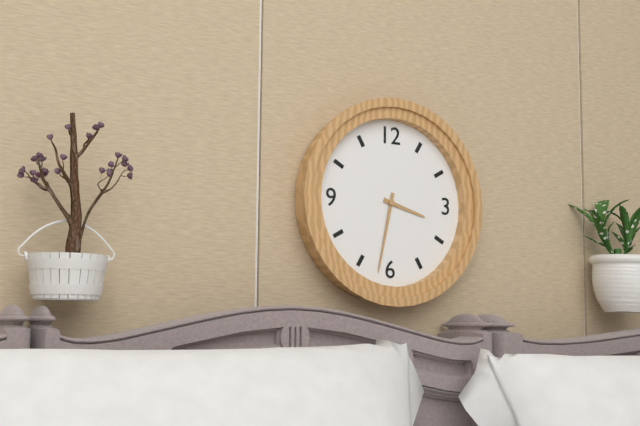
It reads {"hour": 3, "minute": 32}
